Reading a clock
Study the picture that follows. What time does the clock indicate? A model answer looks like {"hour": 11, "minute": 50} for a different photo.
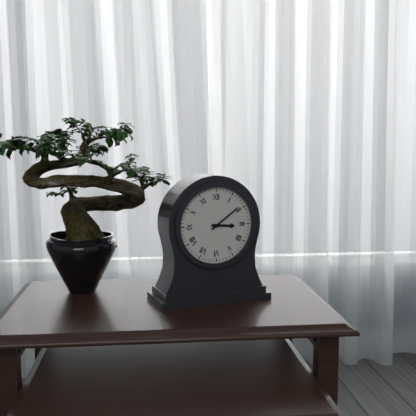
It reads {"hour": 3, "minute": 9}
